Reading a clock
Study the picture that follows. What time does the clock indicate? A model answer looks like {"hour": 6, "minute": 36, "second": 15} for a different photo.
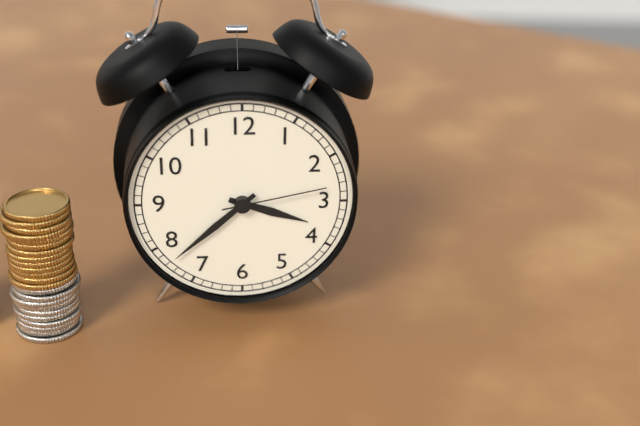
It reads {"hour": 3, "minute": 38, "second": 13}
